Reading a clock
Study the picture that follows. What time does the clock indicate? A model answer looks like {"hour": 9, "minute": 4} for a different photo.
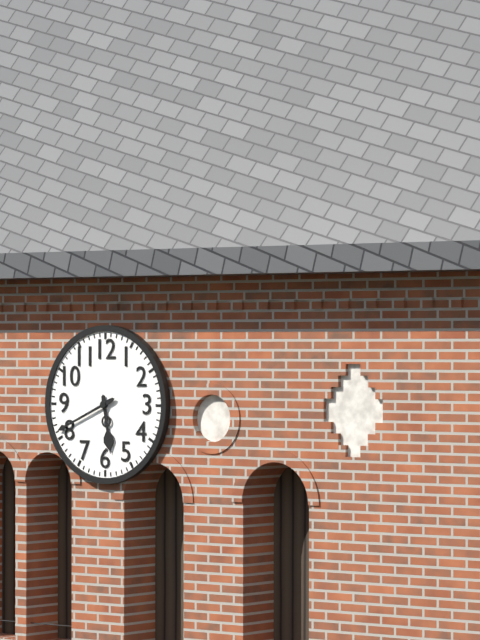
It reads {"hour": 5, "minute": 41}
